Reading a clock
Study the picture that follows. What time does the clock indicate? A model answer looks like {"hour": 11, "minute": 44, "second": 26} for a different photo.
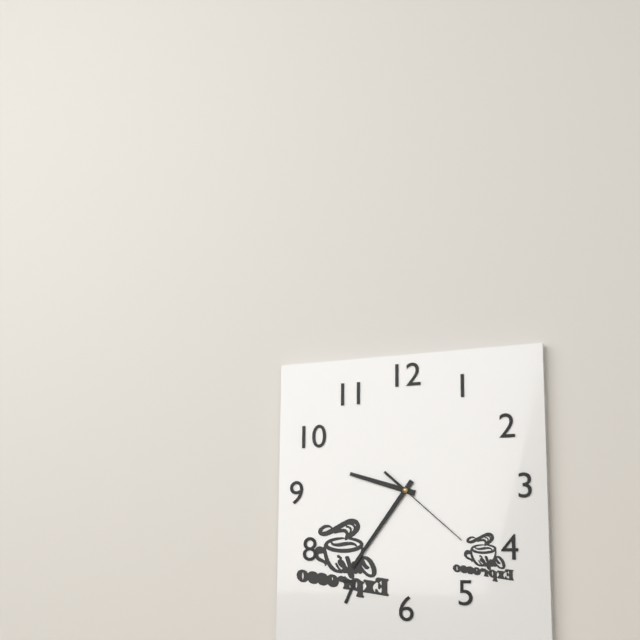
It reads {"hour": 9, "minute": 36, "second": 22}
